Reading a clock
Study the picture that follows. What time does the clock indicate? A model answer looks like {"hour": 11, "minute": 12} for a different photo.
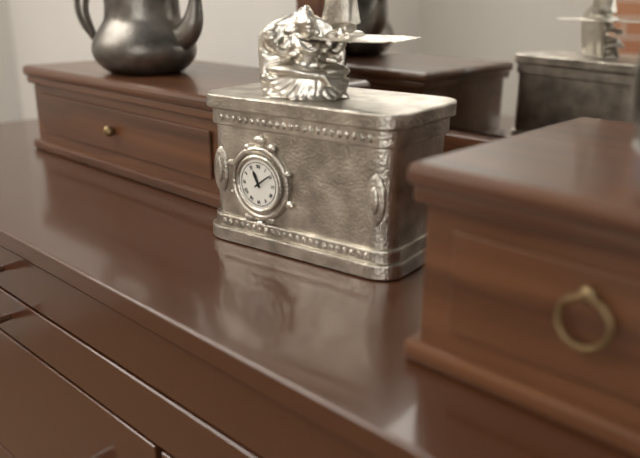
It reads {"hour": 11, "minute": 9}
